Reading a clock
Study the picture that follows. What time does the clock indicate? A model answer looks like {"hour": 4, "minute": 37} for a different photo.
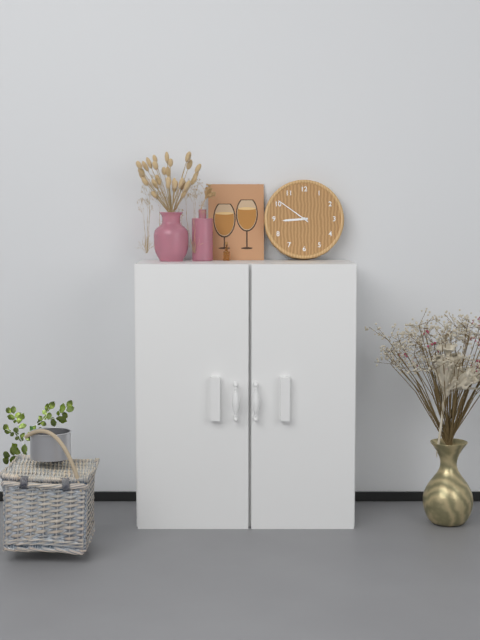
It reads {"hour": 8, "minute": 51}
